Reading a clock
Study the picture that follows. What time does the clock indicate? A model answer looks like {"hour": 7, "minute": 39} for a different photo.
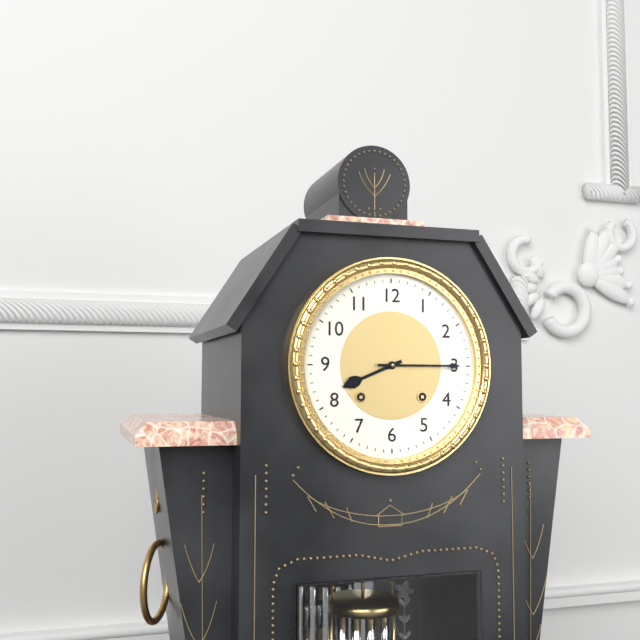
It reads {"hour": 8, "minute": 15}
